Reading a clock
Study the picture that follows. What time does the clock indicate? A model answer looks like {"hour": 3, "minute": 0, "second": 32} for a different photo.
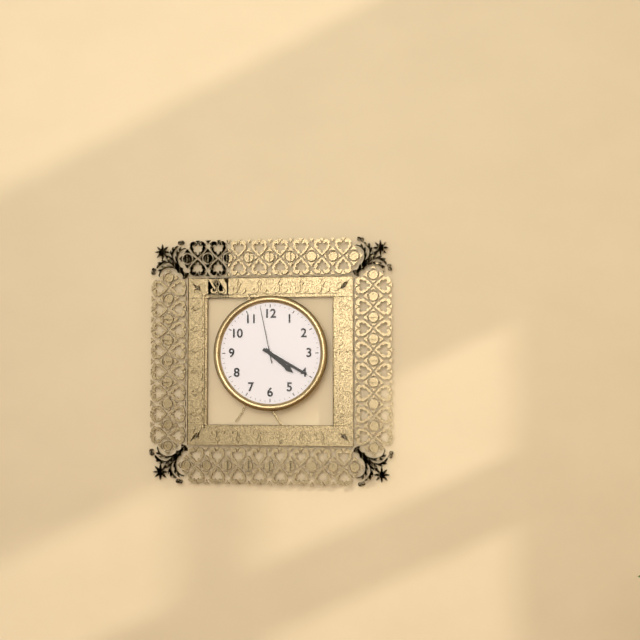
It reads {"hour": 4, "minute": 20, "second": 58}
